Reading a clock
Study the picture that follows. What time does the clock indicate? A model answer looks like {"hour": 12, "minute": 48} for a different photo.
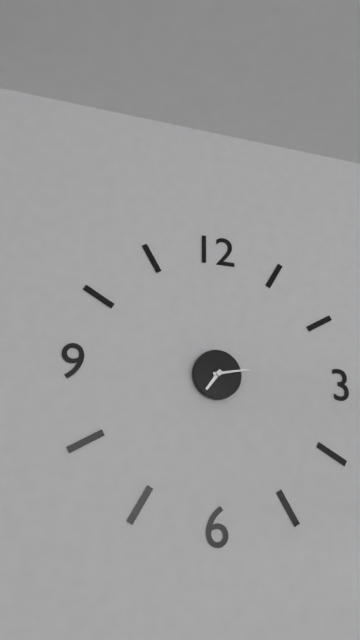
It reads {"hour": 7, "minute": 13}
